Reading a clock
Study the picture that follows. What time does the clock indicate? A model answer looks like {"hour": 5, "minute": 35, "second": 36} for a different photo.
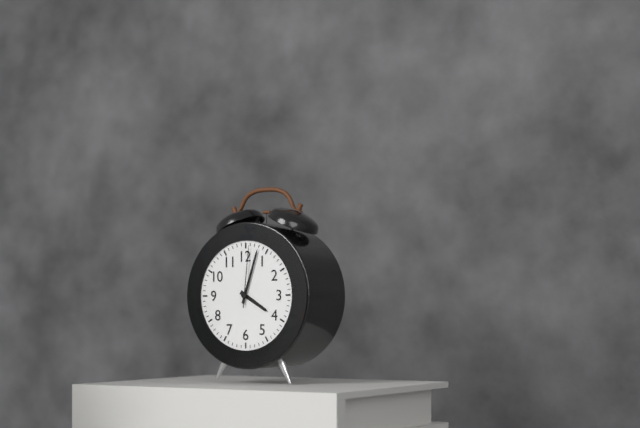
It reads {"hour": 4, "minute": 3, "second": 1}
